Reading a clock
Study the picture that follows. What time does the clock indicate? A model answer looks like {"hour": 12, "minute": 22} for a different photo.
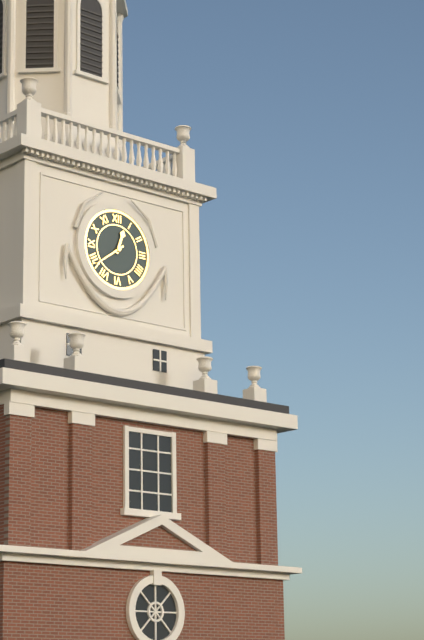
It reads {"hour": 12, "minute": 39}
